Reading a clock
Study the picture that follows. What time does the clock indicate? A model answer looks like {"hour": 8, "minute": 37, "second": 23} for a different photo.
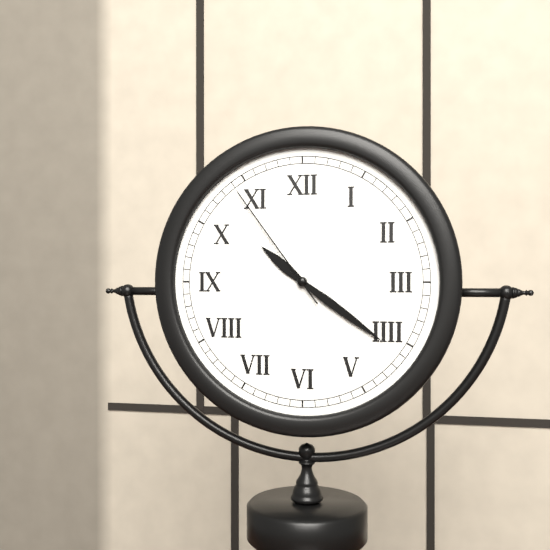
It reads {"hour": 10, "minute": 21, "second": 54}
